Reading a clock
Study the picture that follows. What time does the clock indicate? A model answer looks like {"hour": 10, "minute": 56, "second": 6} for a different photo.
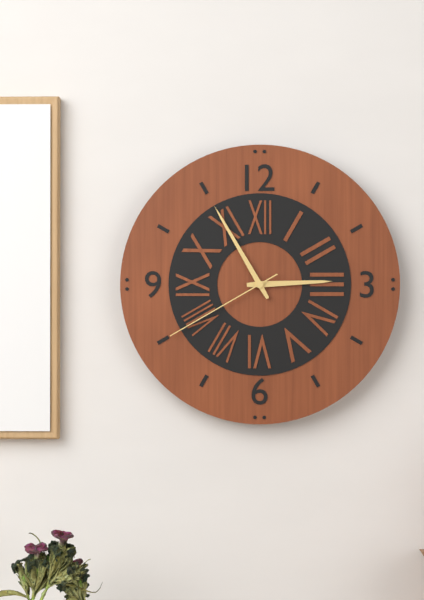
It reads {"hour": 2, "minute": 55, "second": 40}
